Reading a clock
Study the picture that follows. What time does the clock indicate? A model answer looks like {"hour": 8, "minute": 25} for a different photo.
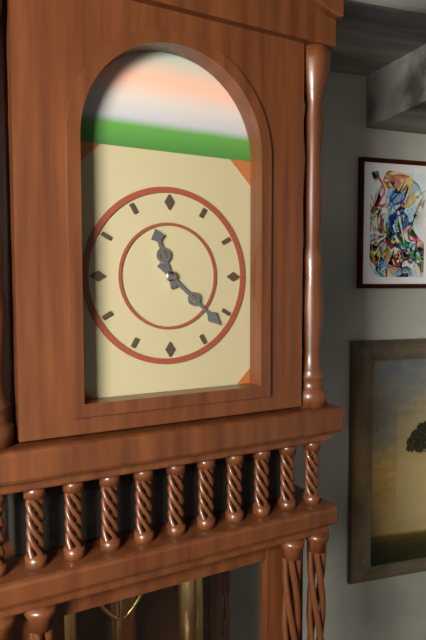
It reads {"hour": 11, "minute": 22}
